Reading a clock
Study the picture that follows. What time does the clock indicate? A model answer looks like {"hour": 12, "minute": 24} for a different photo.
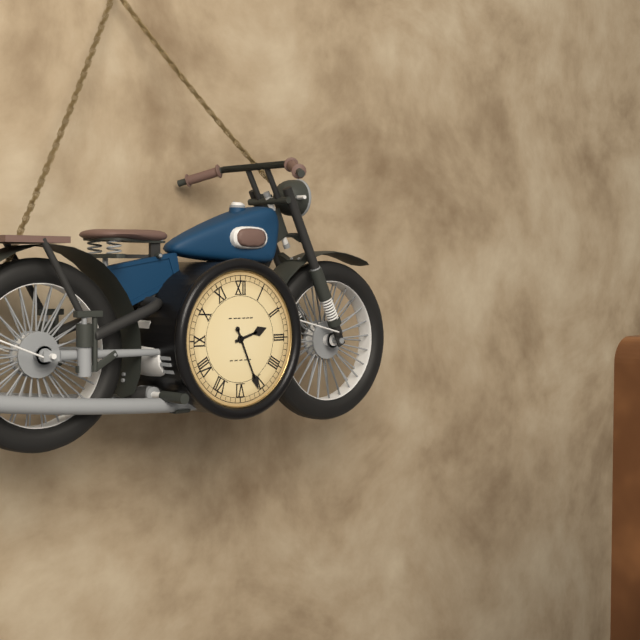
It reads {"hour": 2, "minute": 26}
